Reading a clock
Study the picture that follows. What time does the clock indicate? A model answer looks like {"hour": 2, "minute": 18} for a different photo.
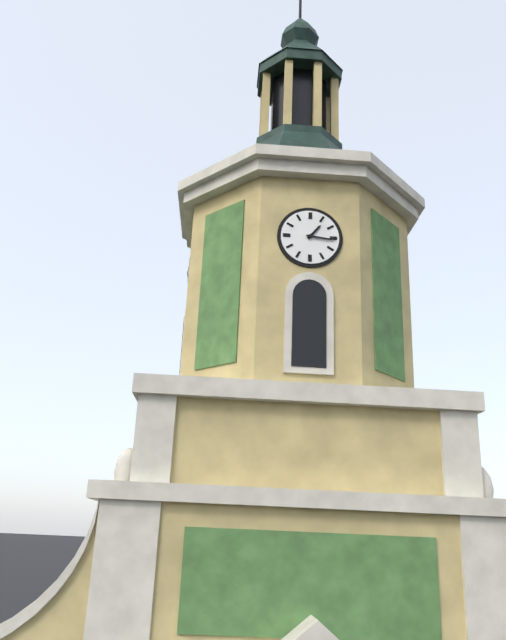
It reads {"hour": 1, "minute": 16}
